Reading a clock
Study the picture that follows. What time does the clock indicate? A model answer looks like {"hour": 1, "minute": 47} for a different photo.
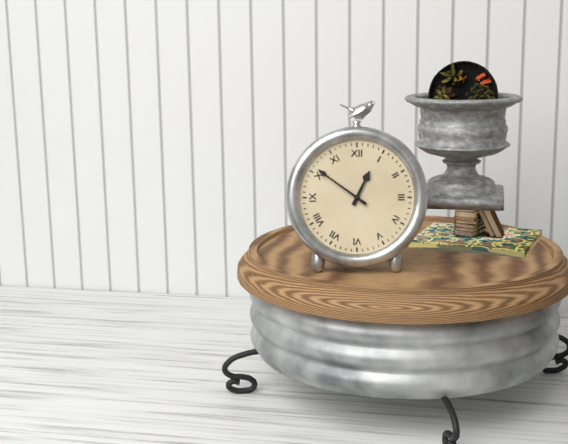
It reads {"hour": 12, "minute": 51}
